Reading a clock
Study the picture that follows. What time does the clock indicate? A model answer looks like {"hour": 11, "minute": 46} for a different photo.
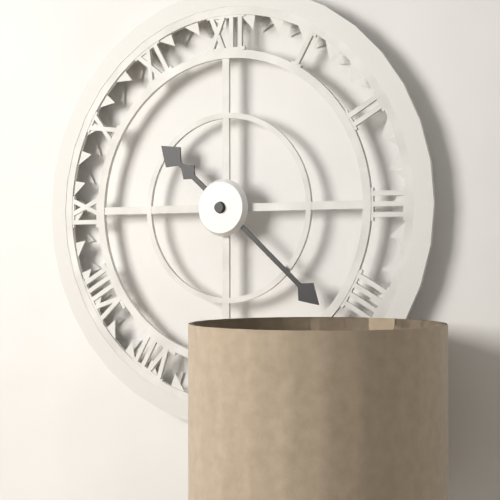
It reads {"hour": 10, "minute": 22}
